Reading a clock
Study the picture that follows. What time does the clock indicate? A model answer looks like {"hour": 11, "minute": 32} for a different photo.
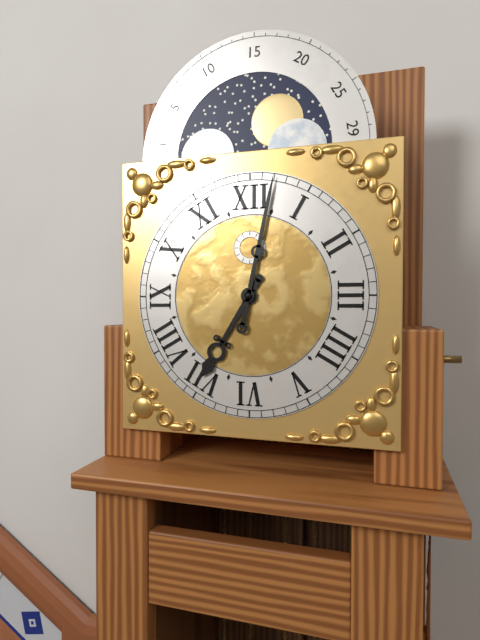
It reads {"hour": 7, "minute": 2}
